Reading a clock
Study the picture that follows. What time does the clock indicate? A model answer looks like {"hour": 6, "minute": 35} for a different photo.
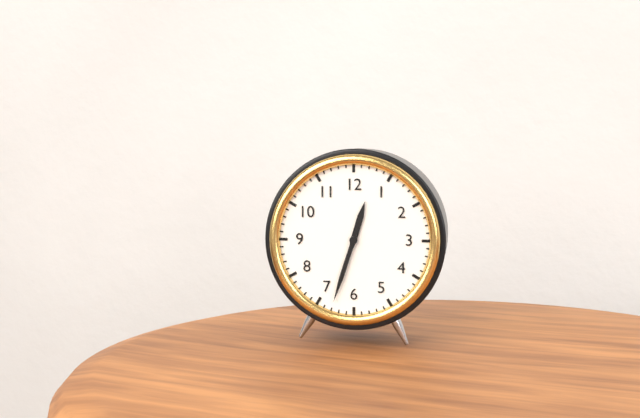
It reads {"hour": 12, "minute": 33}
